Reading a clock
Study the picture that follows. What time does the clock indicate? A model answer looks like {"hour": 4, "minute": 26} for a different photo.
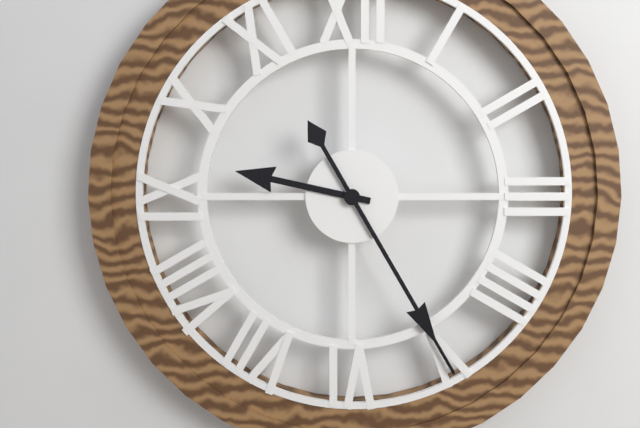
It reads {"hour": 9, "minute": 25}
